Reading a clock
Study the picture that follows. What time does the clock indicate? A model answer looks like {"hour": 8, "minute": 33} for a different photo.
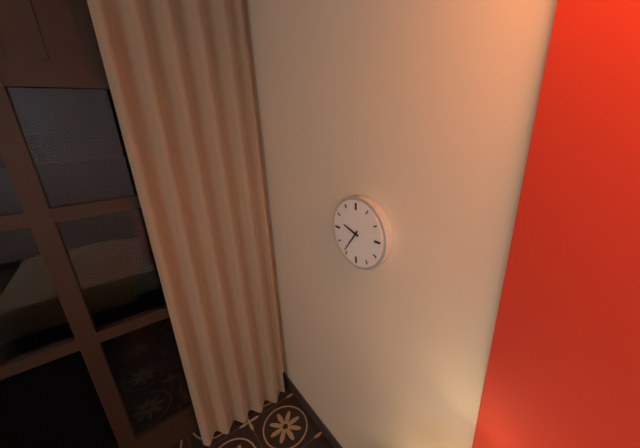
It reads {"hour": 9, "minute": 36}
